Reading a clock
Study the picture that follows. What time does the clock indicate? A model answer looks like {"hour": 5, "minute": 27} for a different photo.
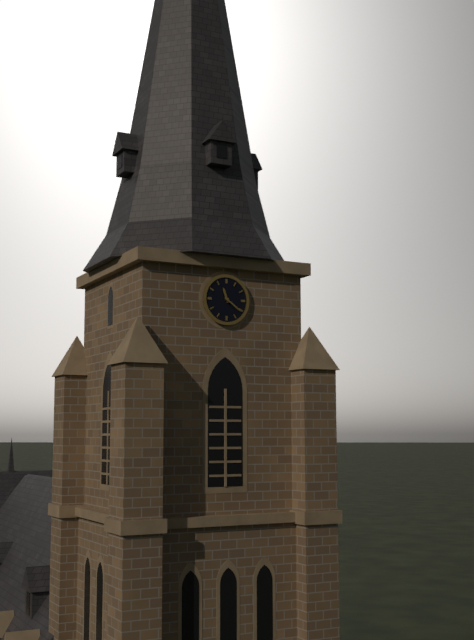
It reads {"hour": 11, "minute": 21}
